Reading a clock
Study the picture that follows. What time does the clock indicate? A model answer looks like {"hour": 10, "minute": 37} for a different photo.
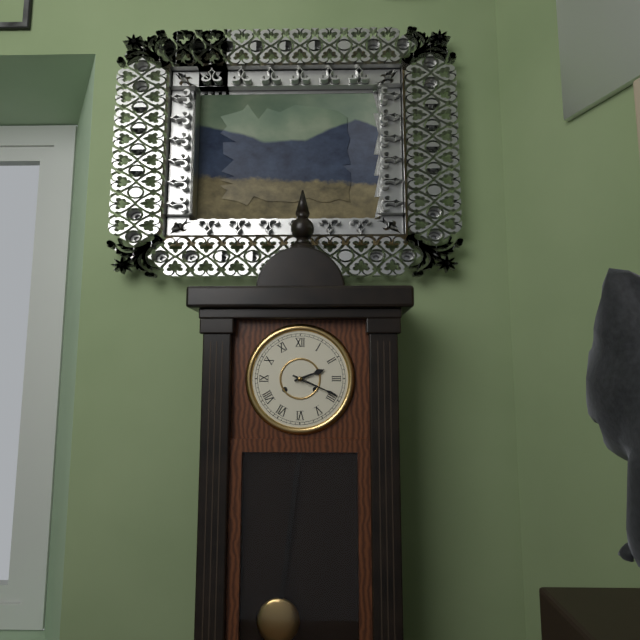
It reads {"hour": 2, "minute": 19}
